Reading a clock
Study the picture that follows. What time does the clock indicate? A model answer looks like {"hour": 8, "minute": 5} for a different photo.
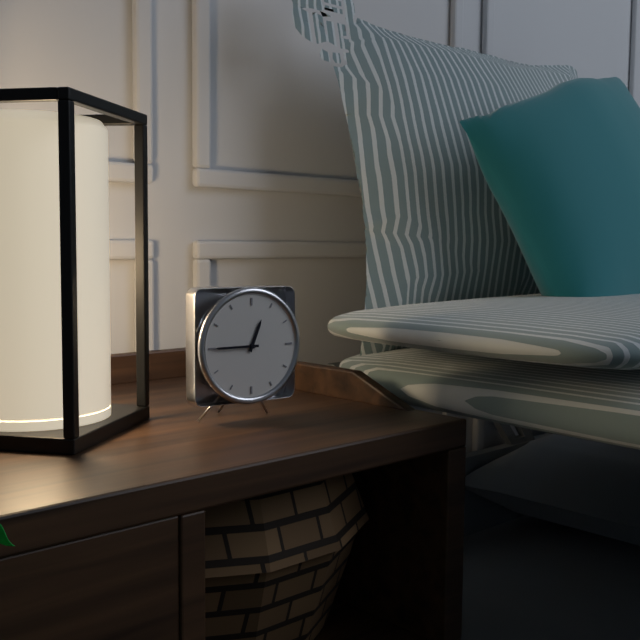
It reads {"hour": 12, "minute": 45}
